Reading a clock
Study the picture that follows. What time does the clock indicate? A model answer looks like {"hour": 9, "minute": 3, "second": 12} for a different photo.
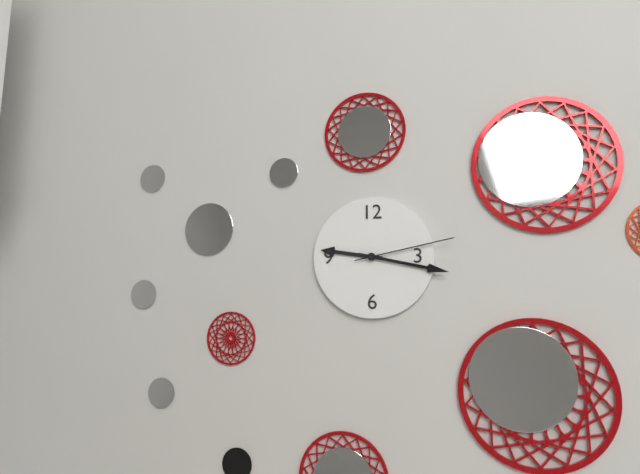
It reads {"hour": 9, "minute": 17, "second": 13}
